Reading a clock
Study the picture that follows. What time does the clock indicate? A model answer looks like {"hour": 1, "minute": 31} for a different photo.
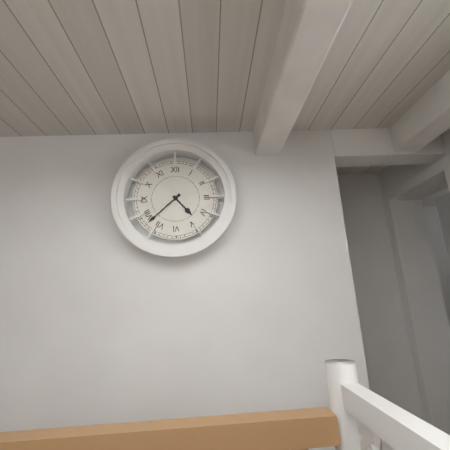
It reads {"hour": 4, "minute": 38}
